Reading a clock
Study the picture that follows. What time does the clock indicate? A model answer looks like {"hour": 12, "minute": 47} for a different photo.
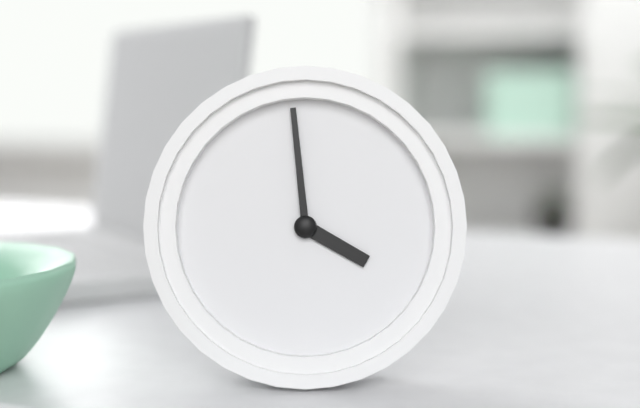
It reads {"hour": 3, "minute": 59}
